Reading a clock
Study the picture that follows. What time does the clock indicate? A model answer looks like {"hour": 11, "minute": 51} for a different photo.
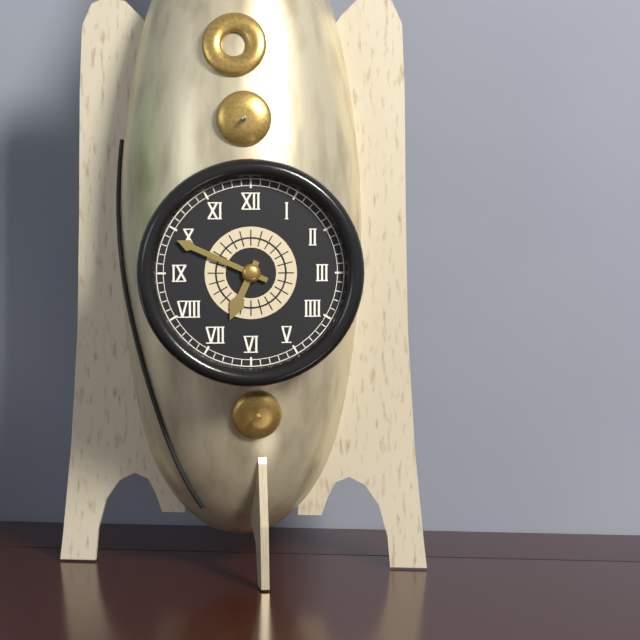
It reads {"hour": 6, "minute": 49}
